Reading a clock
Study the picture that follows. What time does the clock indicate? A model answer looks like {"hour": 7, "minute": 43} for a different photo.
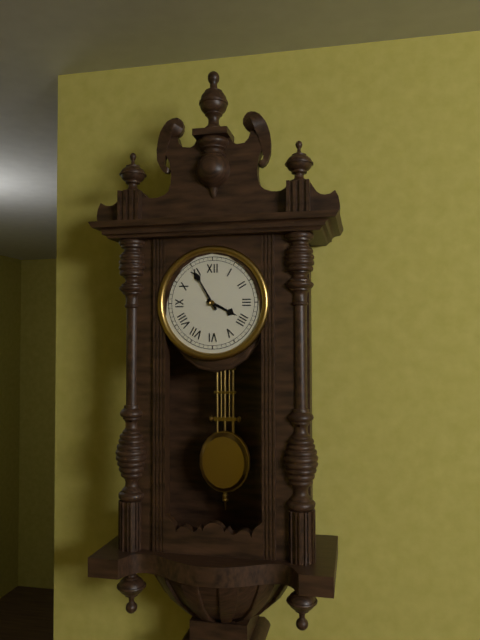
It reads {"hour": 3, "minute": 55}
